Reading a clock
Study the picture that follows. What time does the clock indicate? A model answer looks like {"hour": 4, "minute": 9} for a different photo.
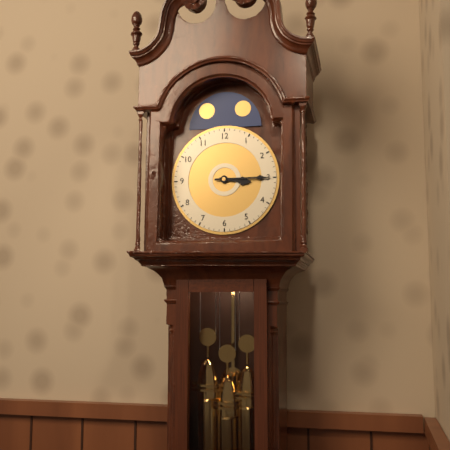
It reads {"hour": 3, "minute": 15}
